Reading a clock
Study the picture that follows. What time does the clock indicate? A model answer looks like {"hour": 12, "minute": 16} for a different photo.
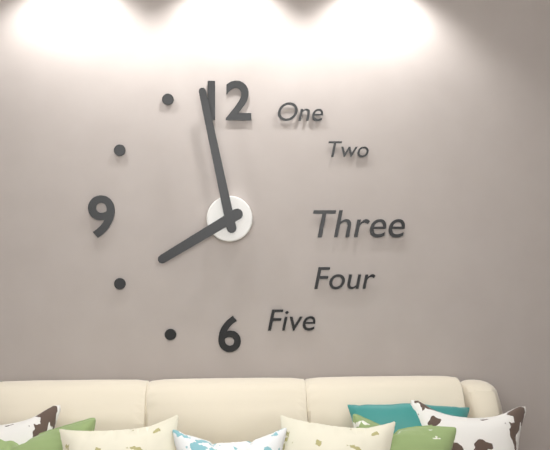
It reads {"hour": 7, "minute": 58}
